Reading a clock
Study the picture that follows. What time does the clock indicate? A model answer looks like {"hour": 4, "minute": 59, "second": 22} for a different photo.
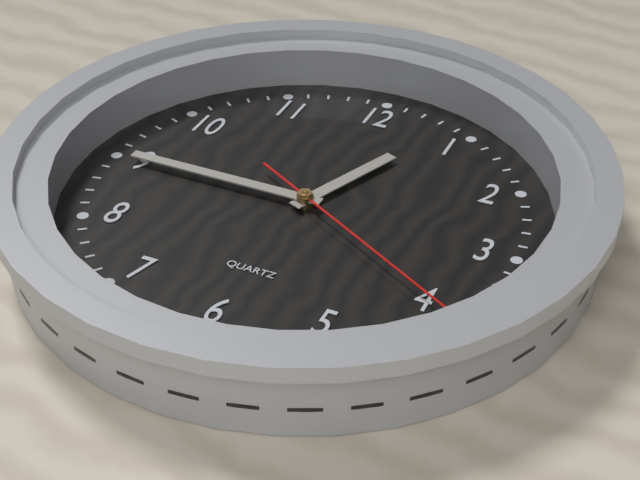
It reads {"hour": 12, "minute": 45, "second": 20}
